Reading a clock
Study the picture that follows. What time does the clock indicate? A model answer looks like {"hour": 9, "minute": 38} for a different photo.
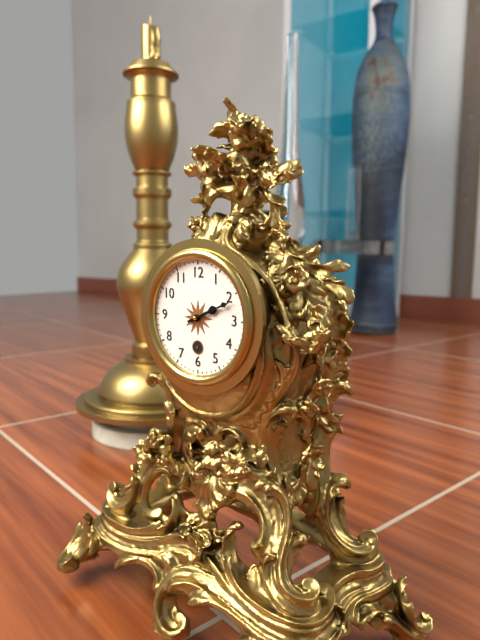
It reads {"hour": 2, "minute": 11}
